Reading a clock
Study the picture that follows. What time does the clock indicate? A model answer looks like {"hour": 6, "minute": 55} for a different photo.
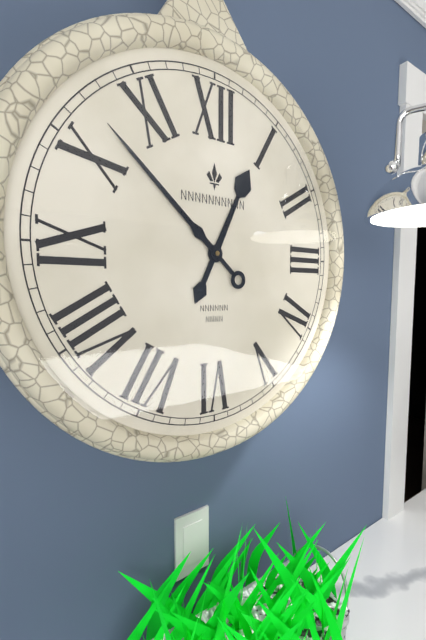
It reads {"hour": 12, "minute": 52}
